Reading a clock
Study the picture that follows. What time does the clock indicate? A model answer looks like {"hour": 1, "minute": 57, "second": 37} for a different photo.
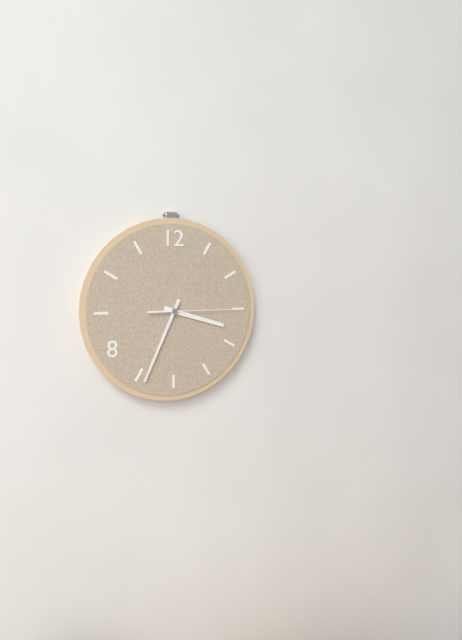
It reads {"hour": 3, "minute": 34, "second": 15}
